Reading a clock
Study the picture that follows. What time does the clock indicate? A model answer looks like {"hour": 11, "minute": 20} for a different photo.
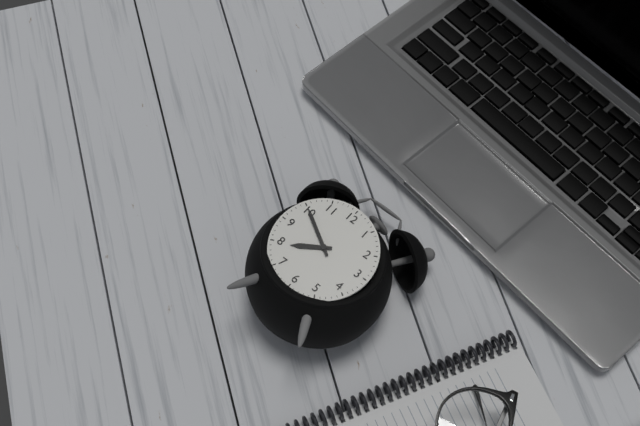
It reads {"hour": 7, "minute": 50}
